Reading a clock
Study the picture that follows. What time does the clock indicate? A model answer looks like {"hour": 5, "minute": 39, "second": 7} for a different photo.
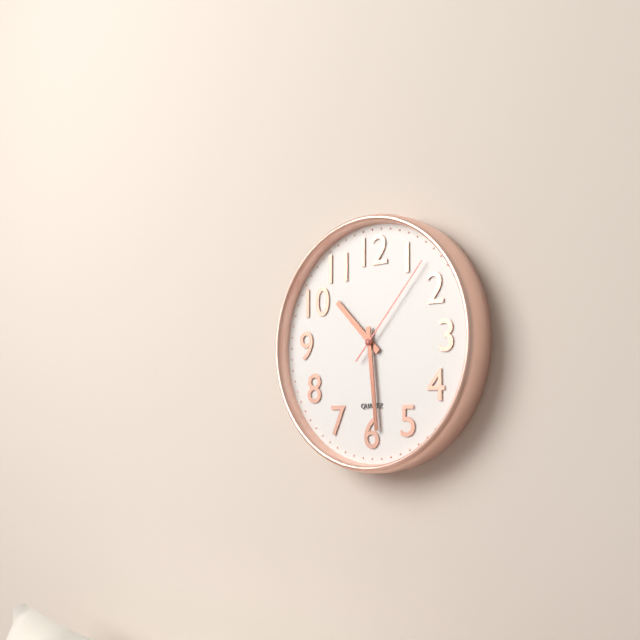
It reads {"hour": 10, "minute": 29, "second": 7}
